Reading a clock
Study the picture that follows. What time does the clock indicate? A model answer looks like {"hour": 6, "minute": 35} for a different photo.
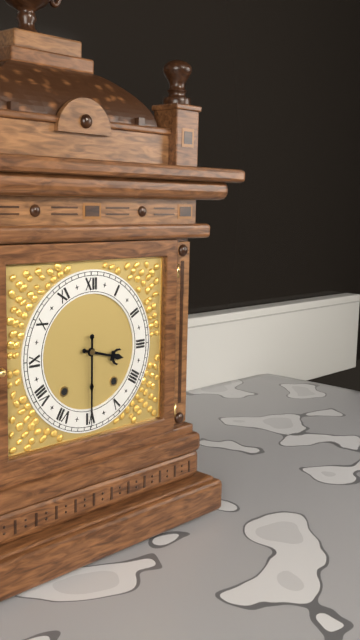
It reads {"hour": 3, "minute": 30}
